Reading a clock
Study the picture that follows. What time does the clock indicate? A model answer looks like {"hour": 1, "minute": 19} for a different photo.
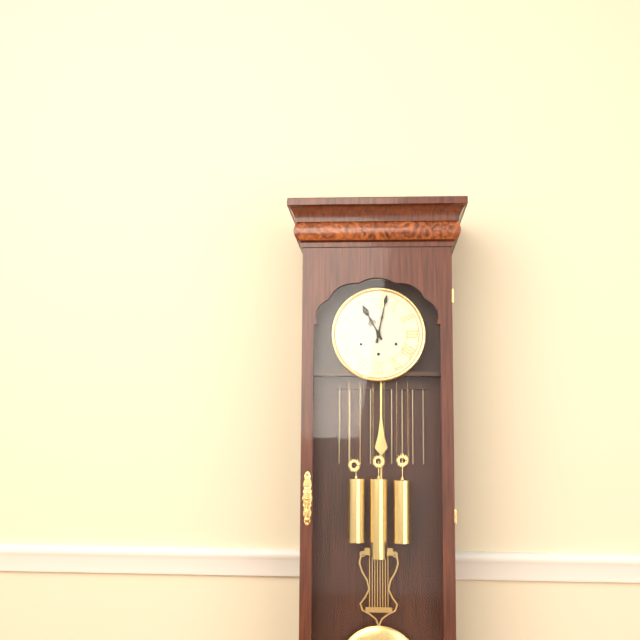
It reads {"hour": 11, "minute": 2}
